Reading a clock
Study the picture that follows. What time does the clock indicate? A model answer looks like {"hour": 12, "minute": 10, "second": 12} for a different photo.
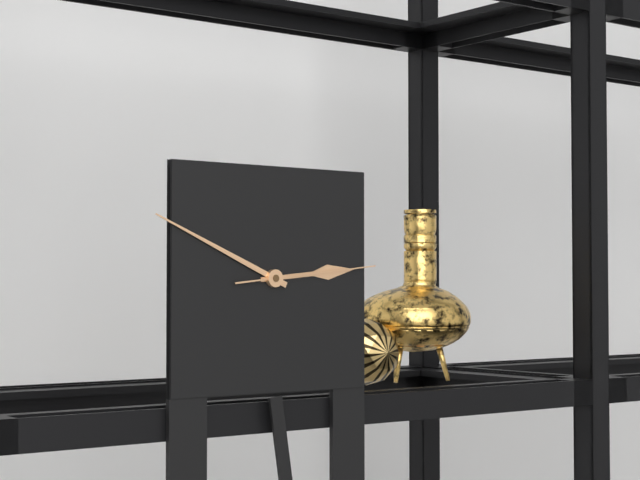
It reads {"hour": 2, "minute": 49, "second": 14}
